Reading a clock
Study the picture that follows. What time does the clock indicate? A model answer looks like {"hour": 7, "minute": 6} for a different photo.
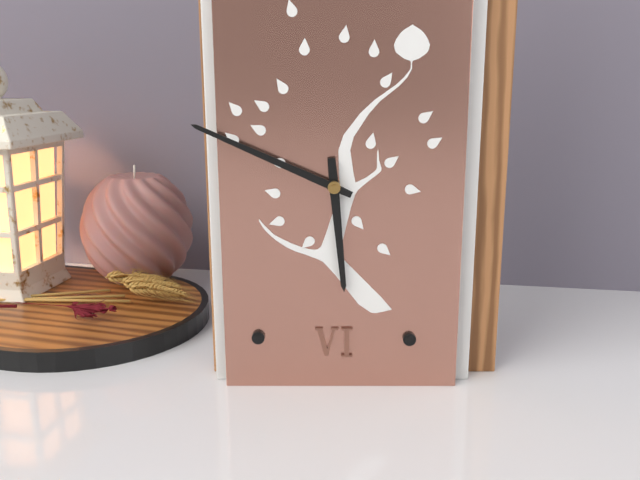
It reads {"hour": 5, "minute": 49}
